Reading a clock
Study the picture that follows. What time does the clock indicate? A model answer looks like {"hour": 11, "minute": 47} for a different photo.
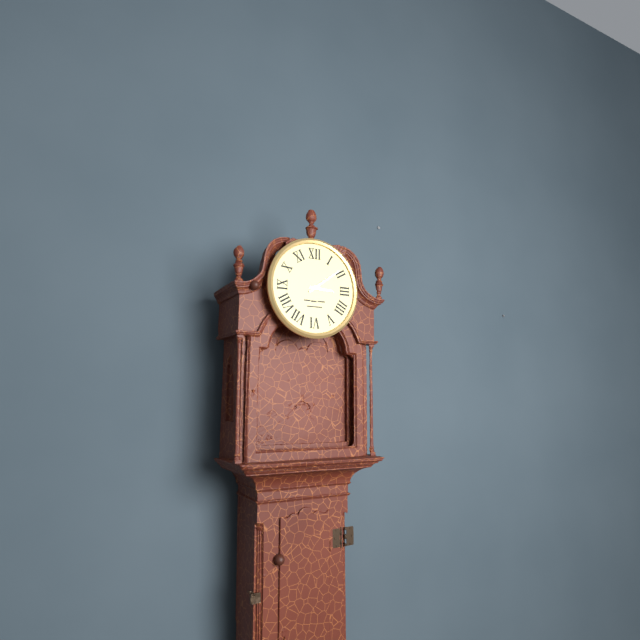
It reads {"hour": 3, "minute": 9}
